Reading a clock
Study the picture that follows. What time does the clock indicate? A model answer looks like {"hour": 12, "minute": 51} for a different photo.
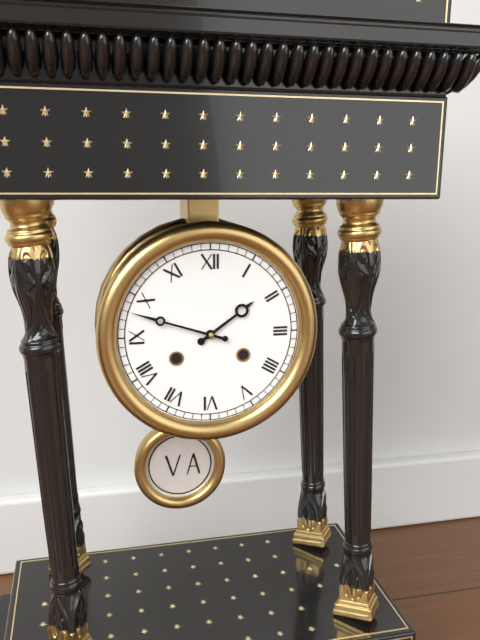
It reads {"hour": 1, "minute": 48}
